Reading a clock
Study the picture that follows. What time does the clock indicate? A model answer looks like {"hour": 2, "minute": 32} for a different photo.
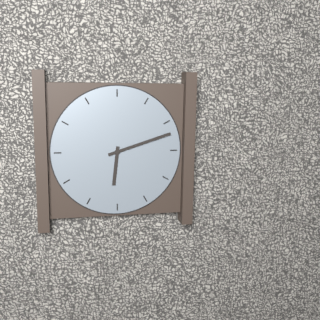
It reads {"hour": 6, "minute": 12}
